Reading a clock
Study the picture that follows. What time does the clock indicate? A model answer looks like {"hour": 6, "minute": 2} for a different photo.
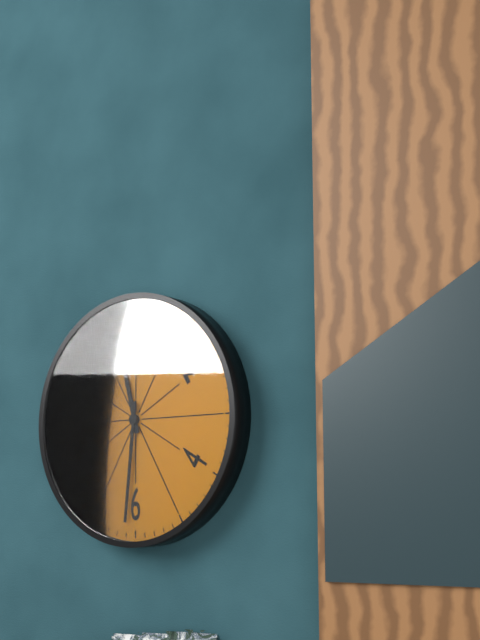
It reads {"hour": 11, "minute": 31}
